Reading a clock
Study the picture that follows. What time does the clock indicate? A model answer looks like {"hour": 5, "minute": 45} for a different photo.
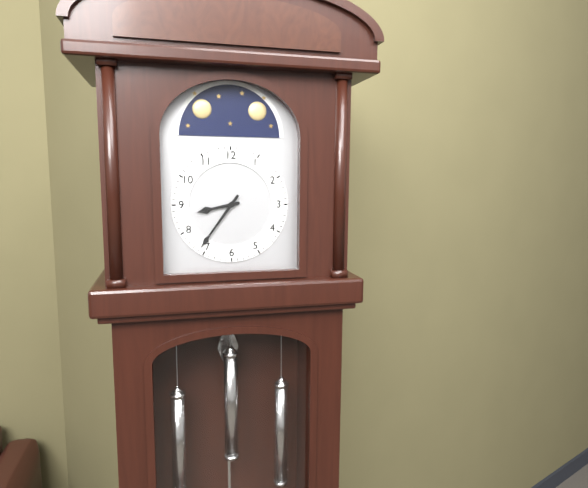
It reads {"hour": 8, "minute": 36}
